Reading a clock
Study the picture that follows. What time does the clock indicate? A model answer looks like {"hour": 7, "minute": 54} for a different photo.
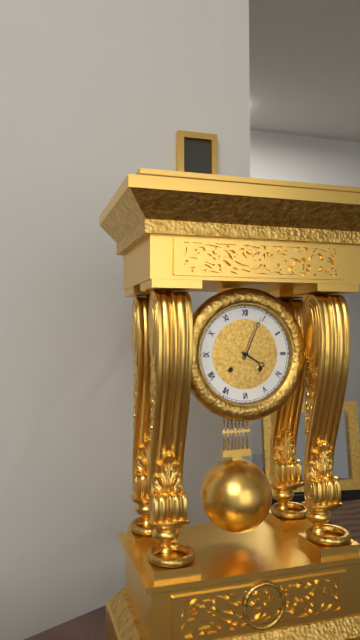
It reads {"hour": 4, "minute": 4}
